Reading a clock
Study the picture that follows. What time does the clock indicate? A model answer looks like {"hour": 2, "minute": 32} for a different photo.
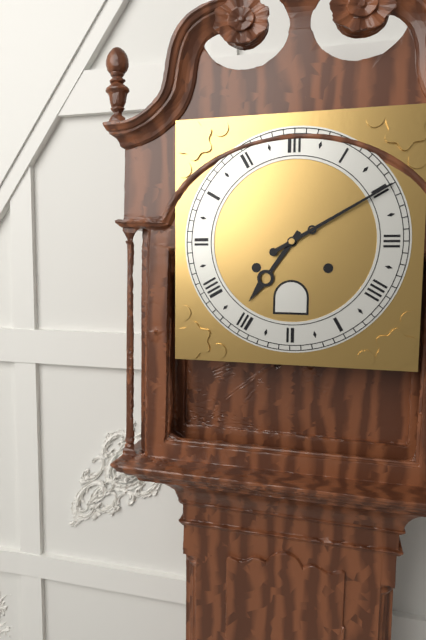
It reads {"hour": 7, "minute": 10}
